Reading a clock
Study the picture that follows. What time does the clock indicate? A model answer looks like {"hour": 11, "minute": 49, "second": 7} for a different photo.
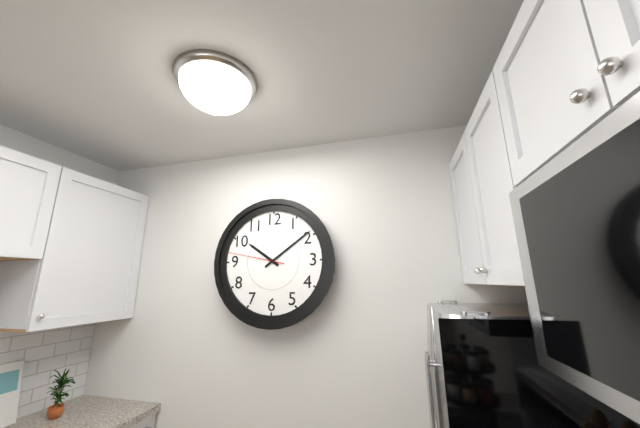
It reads {"hour": 10, "minute": 9, "second": 47}
